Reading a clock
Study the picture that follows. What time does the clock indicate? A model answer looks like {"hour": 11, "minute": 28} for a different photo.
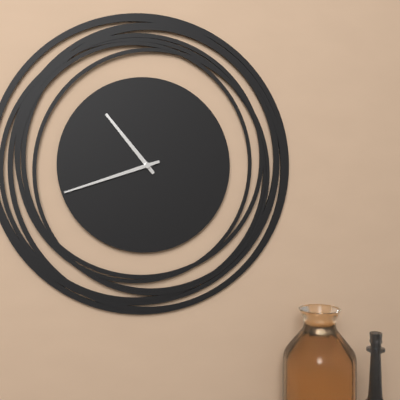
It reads {"hour": 10, "minute": 42}
